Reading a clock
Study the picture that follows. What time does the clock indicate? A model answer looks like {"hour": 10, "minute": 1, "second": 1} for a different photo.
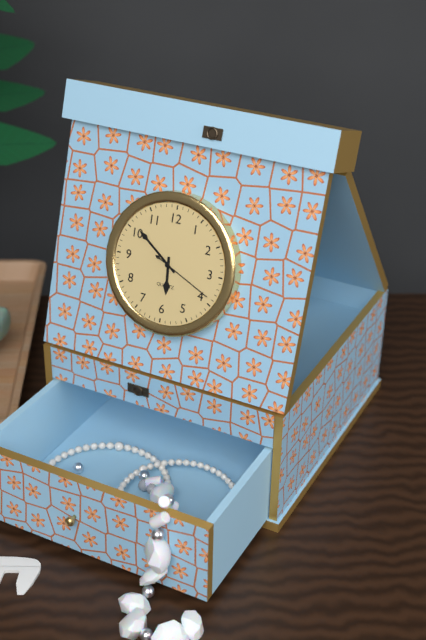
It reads {"hour": 5, "minute": 51, "second": 19}
